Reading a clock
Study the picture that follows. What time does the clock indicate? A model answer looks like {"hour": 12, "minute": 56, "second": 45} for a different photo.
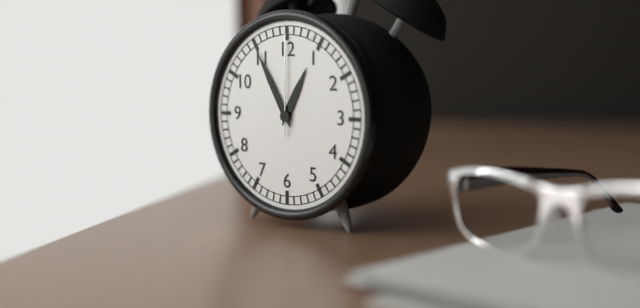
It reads {"hour": 12, "minute": 55, "second": 0}
